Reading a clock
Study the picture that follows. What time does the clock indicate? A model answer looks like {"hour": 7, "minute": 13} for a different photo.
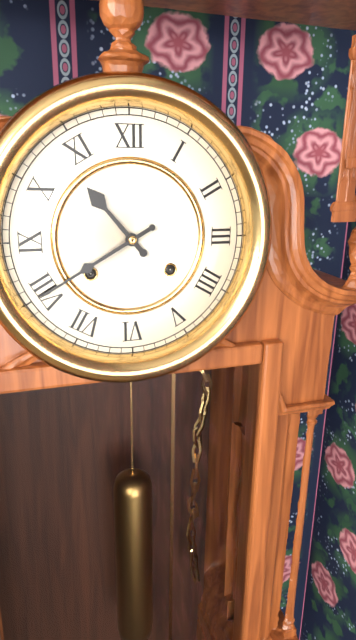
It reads {"hour": 10, "minute": 40}
